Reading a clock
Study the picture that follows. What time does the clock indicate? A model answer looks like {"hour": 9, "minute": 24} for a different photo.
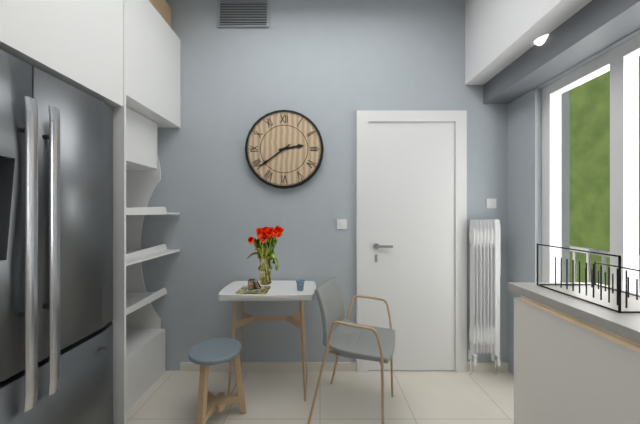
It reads {"hour": 2, "minute": 39}
